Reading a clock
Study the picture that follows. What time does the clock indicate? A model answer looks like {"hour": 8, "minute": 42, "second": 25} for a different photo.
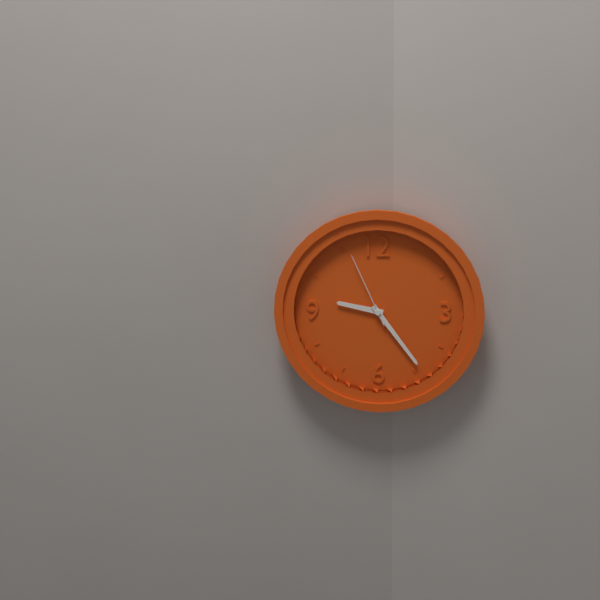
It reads {"hour": 9, "minute": 24, "second": 56}
